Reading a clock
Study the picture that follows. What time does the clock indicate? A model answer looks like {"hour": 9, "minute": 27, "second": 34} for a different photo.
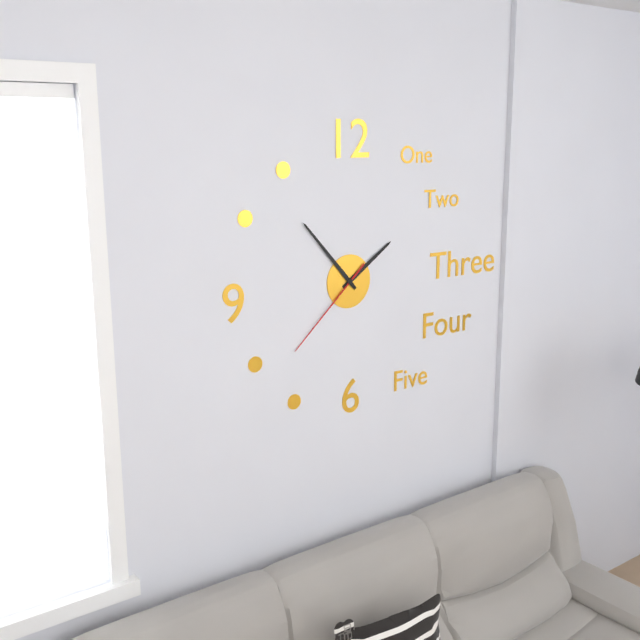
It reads {"hour": 1, "minute": 53, "second": 38}
